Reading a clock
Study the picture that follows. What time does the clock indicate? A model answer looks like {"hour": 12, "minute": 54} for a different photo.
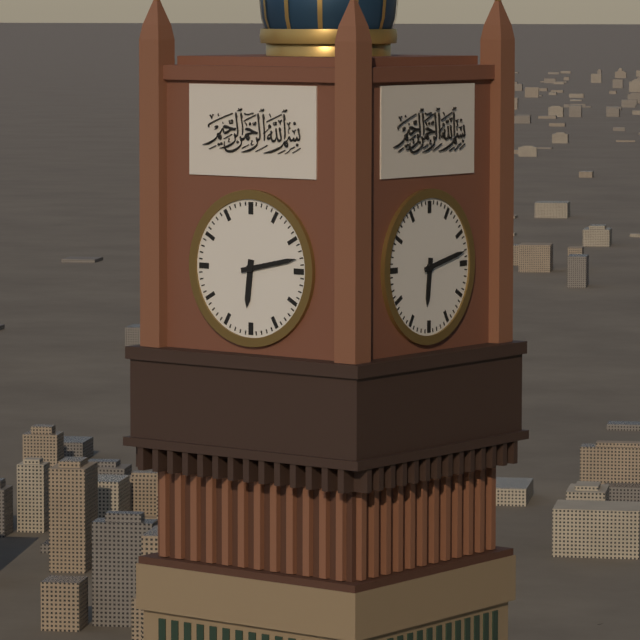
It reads {"hour": 6, "minute": 13}
